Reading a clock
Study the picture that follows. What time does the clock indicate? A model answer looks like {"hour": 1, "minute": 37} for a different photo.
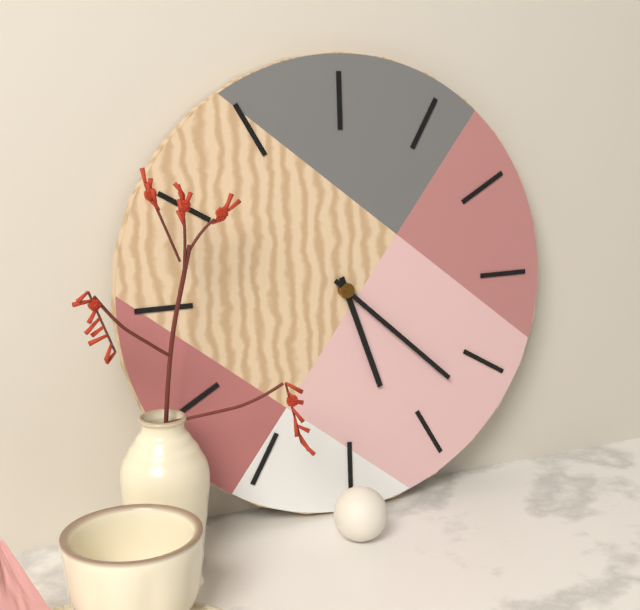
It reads {"hour": 5, "minute": 22}
